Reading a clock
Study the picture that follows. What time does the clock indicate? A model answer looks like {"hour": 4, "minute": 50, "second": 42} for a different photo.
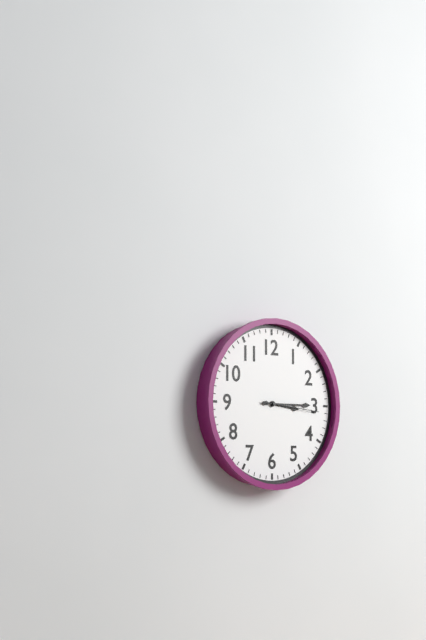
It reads {"hour": 3, "minute": 15, "second": 16}
